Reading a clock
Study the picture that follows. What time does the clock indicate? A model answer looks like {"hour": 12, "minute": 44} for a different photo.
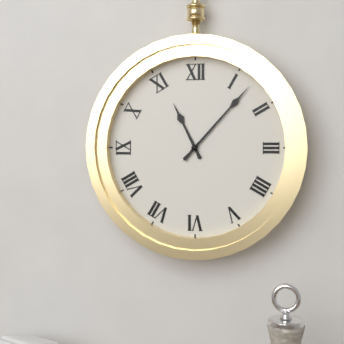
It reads {"hour": 11, "minute": 7}
